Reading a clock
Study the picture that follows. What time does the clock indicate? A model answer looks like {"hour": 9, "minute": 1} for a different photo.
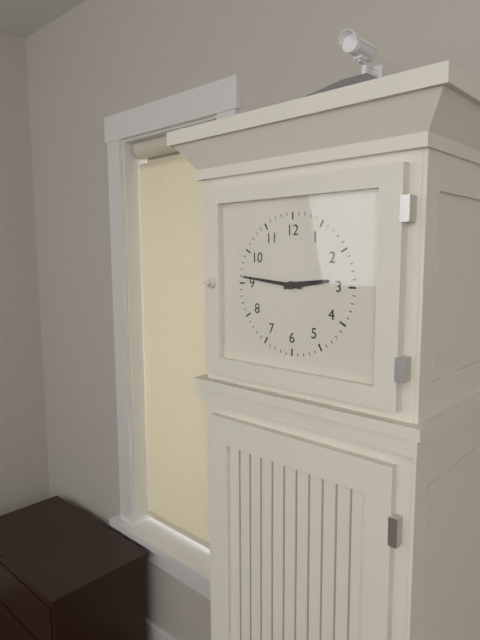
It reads {"hour": 2, "minute": 46}
